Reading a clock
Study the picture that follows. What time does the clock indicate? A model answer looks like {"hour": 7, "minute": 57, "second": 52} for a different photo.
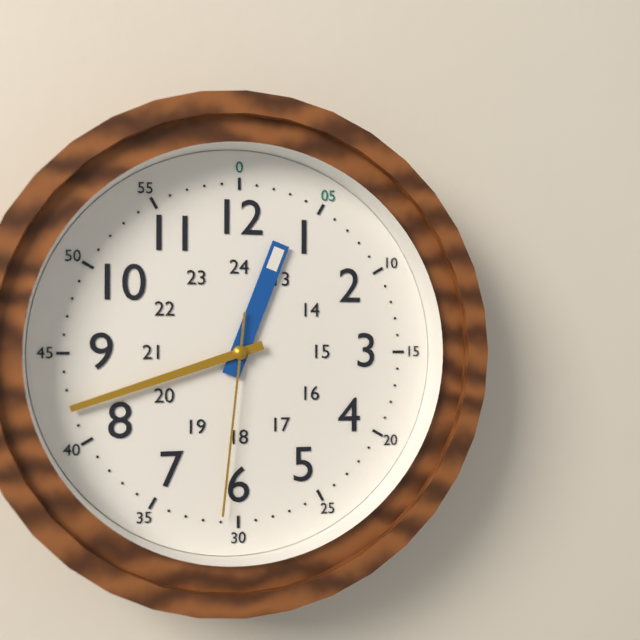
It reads {"hour": 12, "minute": 42, "second": 31}
